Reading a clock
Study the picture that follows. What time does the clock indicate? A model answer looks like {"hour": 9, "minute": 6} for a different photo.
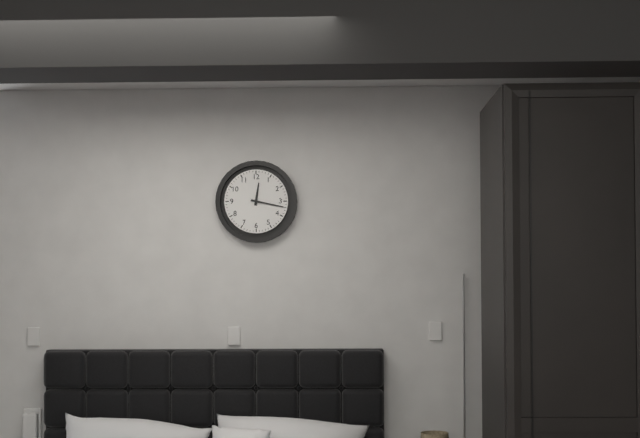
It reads {"hour": 12, "minute": 17}
